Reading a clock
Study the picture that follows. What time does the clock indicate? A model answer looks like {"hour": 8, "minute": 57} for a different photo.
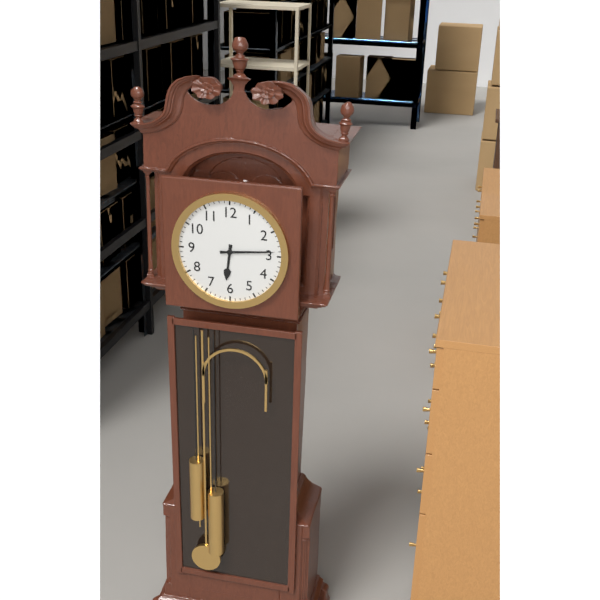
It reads {"hour": 6, "minute": 14}
